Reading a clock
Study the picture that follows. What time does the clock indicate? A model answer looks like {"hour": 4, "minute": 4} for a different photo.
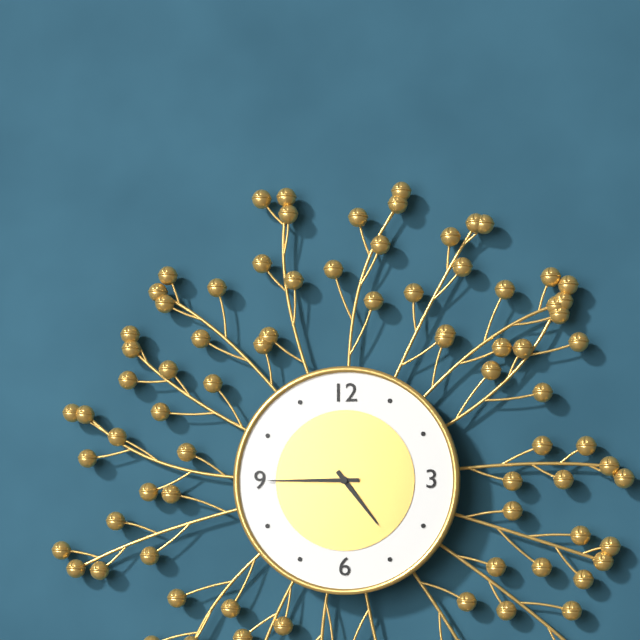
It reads {"hour": 4, "minute": 45}
